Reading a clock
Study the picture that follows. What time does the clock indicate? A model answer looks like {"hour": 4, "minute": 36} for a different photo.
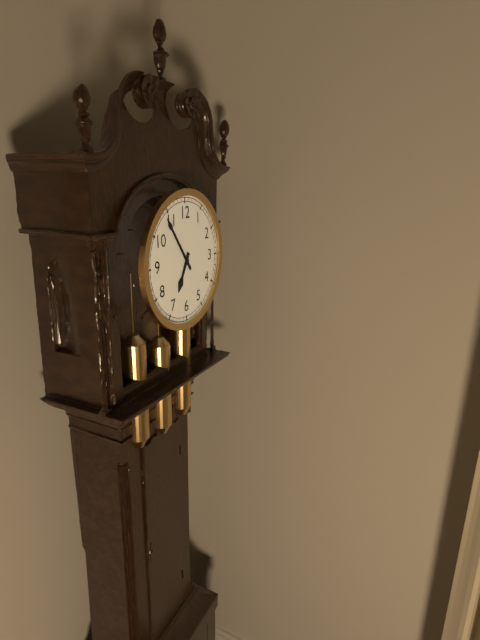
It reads {"hour": 6, "minute": 54}
